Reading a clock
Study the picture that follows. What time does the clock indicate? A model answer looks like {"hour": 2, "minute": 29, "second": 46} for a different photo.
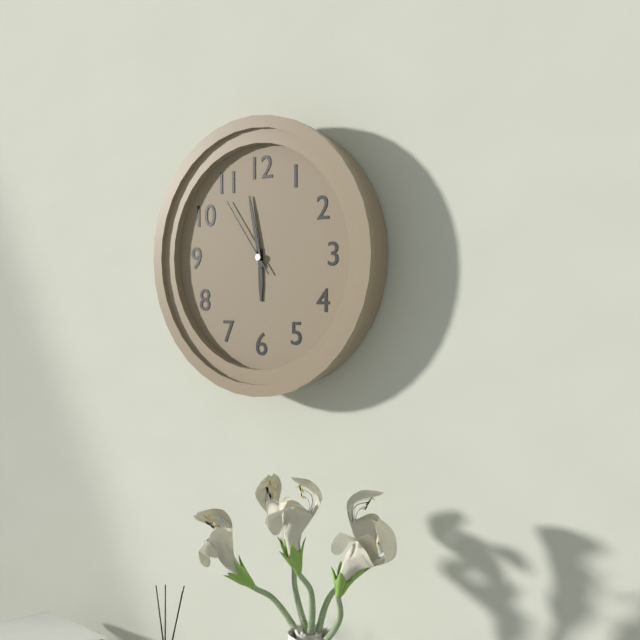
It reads {"hour": 5, "minute": 58, "second": 54}
